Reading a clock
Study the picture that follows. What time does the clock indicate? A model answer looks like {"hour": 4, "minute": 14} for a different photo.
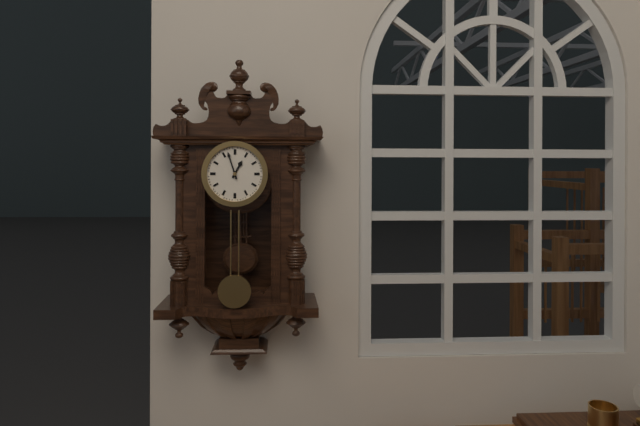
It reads {"hour": 12, "minute": 57}
